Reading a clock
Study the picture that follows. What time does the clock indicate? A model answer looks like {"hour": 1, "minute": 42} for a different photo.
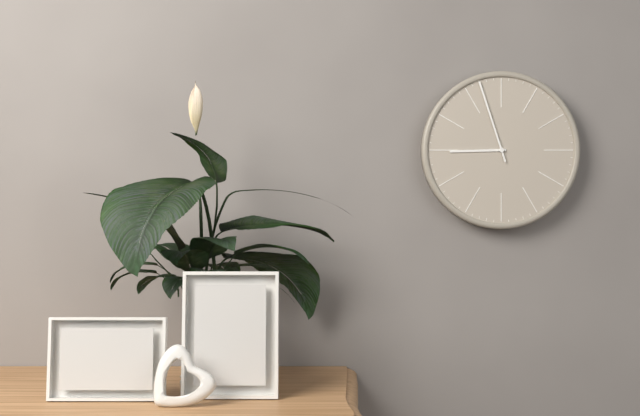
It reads {"hour": 8, "minute": 57}
